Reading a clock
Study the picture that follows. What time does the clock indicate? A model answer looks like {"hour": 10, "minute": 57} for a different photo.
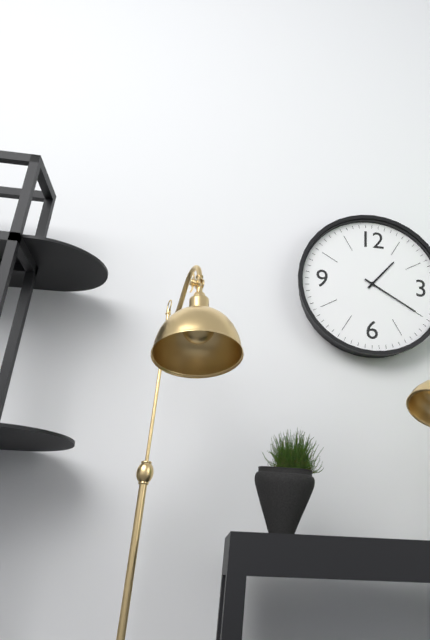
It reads {"hour": 1, "minute": 20}
